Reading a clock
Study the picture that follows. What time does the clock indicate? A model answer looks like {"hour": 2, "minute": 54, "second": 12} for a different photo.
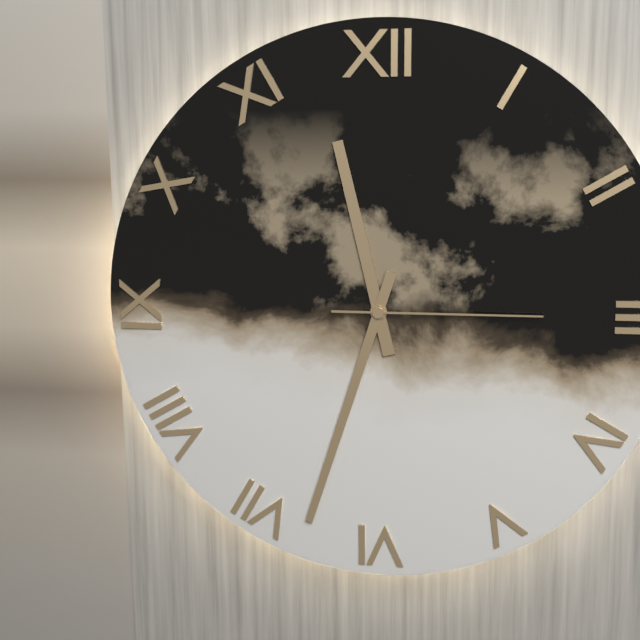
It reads {"hour": 11, "minute": 33, "second": 15}
